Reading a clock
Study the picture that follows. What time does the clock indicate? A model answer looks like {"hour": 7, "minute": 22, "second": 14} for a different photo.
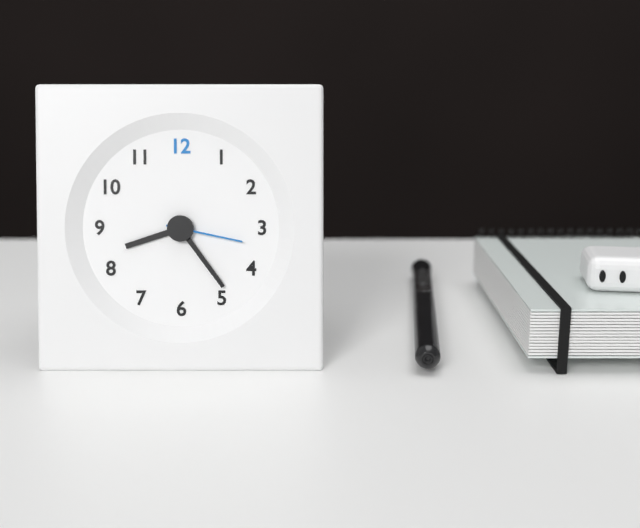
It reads {"hour": 8, "minute": 24, "second": 17}
